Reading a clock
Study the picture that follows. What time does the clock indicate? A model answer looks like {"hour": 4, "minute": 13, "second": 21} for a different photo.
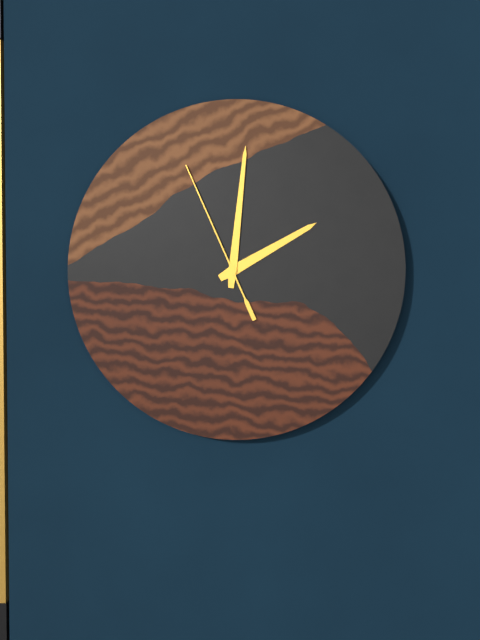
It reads {"hour": 2, "minute": 1, "second": 56}
